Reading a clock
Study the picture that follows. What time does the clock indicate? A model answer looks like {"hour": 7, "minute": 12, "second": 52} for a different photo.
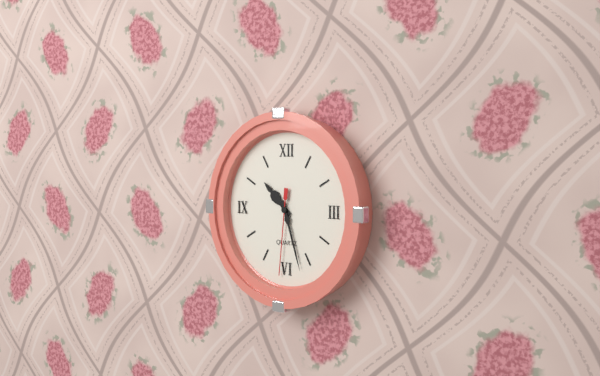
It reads {"hour": 10, "minute": 27, "second": 31}
